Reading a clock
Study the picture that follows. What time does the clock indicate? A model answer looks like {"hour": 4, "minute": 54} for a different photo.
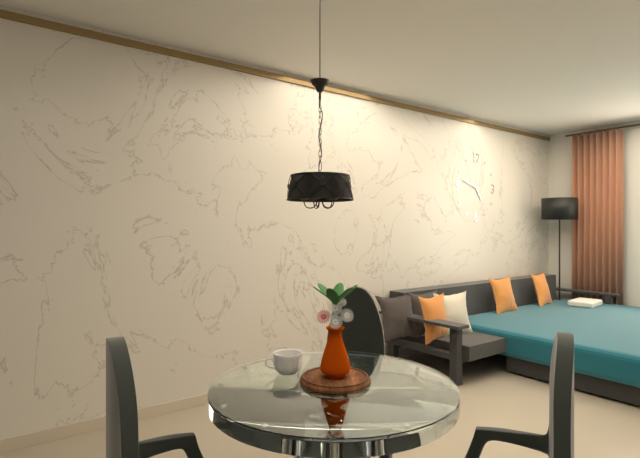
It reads {"hour": 4, "minute": 48}
